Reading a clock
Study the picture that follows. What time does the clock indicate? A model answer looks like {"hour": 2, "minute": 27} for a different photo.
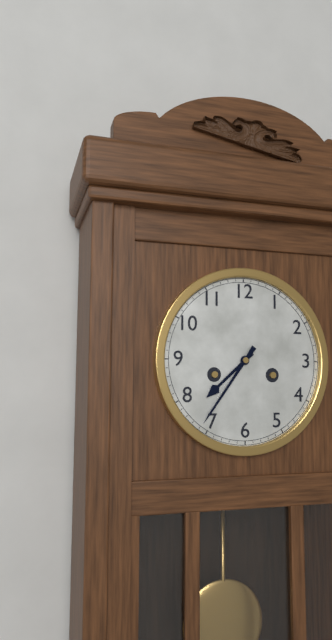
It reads {"hour": 7, "minute": 36}
